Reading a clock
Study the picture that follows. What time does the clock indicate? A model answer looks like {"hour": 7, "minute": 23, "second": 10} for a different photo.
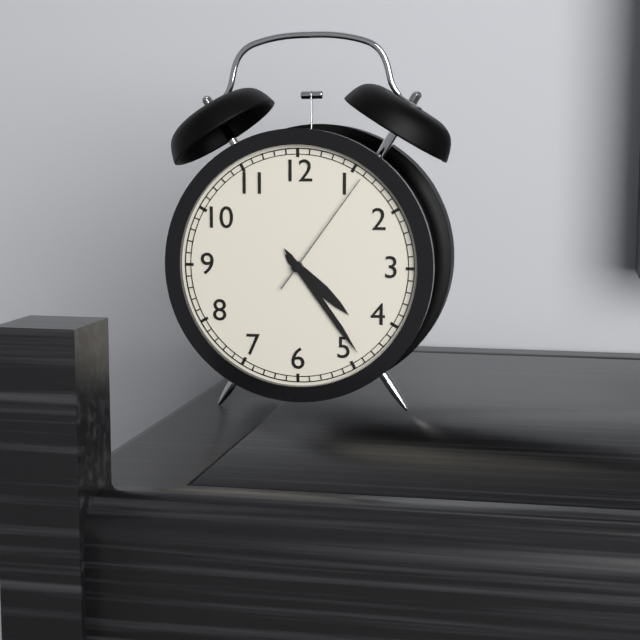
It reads {"hour": 4, "minute": 24, "second": 6}
